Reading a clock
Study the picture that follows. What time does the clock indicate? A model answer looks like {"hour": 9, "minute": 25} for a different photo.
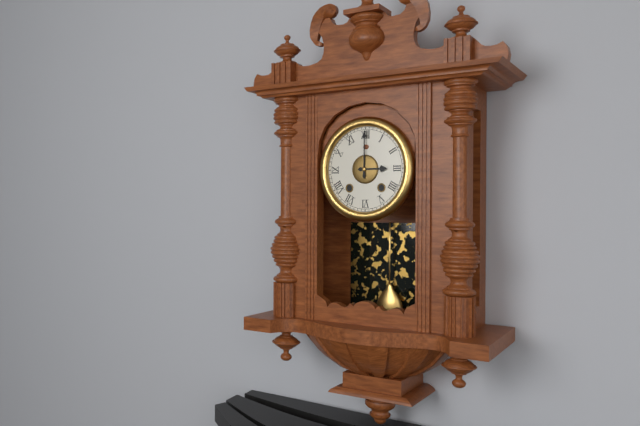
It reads {"hour": 3, "minute": 0}
